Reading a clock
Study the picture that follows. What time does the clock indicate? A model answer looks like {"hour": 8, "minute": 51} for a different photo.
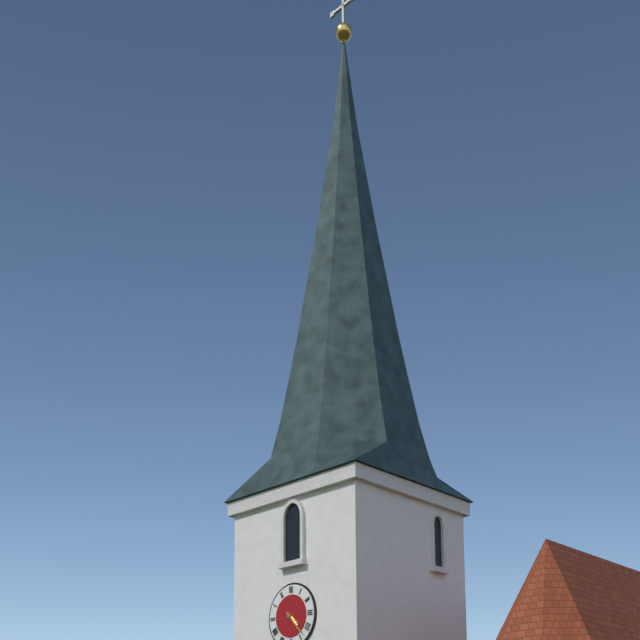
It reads {"hour": 4, "minute": 23}
